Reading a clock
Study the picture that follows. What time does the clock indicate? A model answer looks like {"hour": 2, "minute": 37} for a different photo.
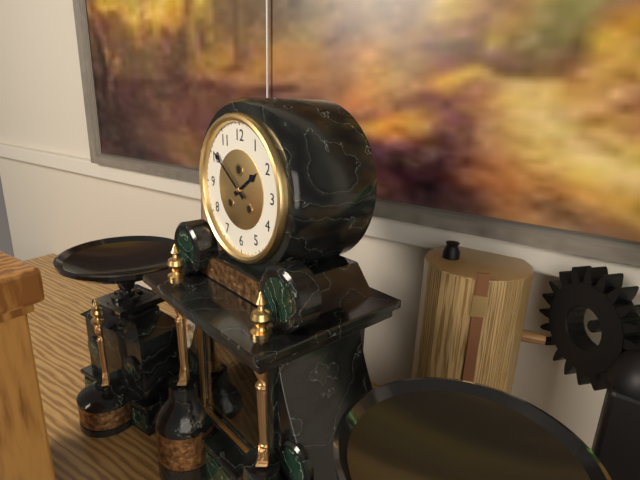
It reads {"hour": 1, "minute": 51}
